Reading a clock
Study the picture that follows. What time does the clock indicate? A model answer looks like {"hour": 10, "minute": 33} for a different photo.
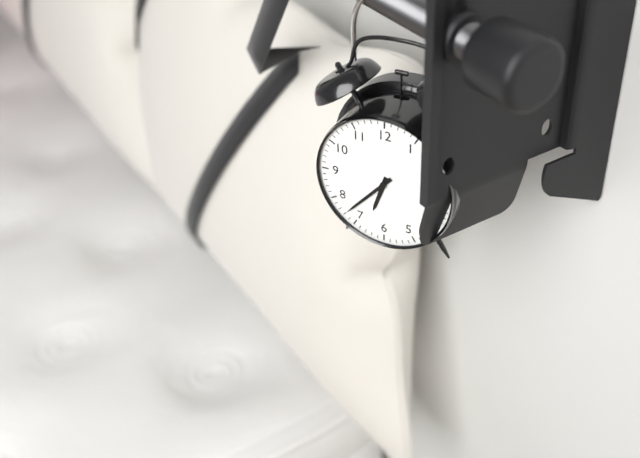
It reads {"hour": 6, "minute": 37}
